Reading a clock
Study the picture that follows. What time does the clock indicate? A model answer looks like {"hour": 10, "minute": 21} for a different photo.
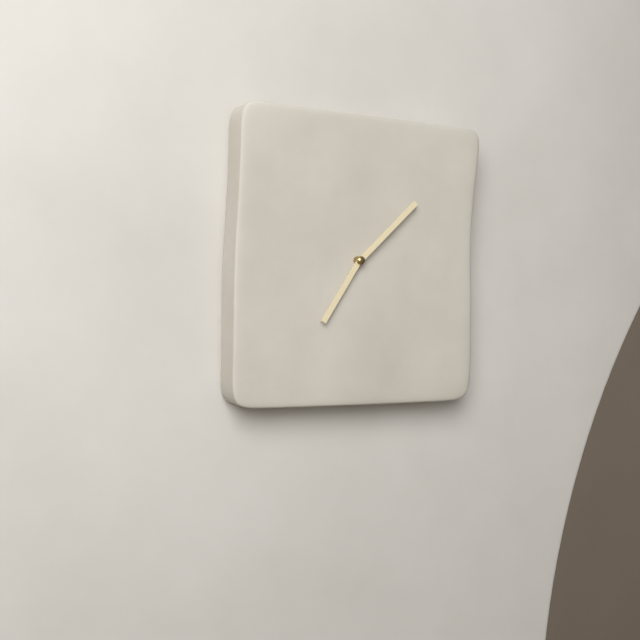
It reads {"hour": 7, "minute": 8}
